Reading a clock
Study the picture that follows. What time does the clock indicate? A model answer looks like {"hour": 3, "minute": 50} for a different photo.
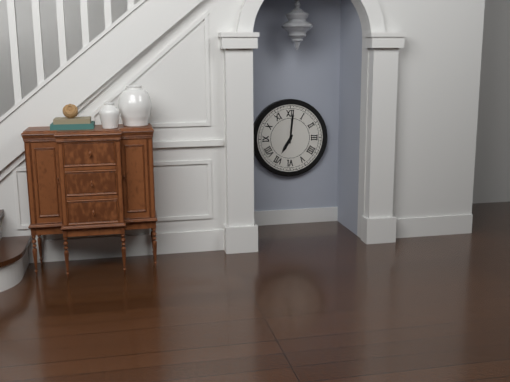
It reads {"hour": 7, "minute": 1}
